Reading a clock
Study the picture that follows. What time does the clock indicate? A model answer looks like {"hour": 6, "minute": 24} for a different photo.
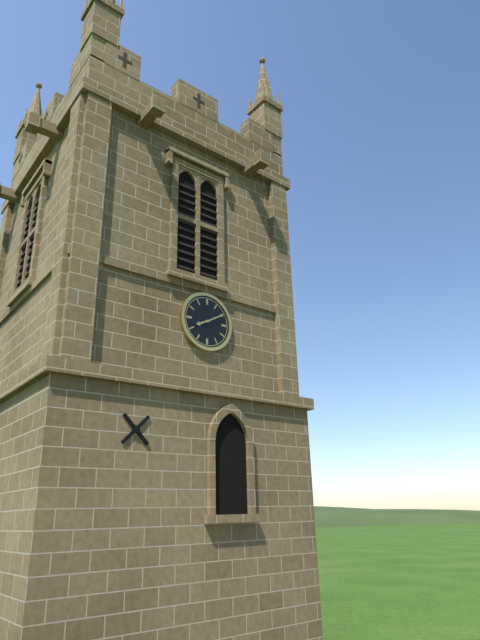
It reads {"hour": 8, "minute": 10}
